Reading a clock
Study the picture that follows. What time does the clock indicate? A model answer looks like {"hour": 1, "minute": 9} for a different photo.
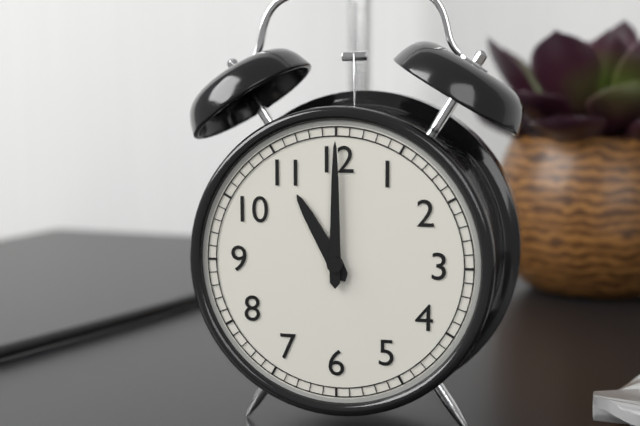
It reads {"hour": 11, "minute": 0}
